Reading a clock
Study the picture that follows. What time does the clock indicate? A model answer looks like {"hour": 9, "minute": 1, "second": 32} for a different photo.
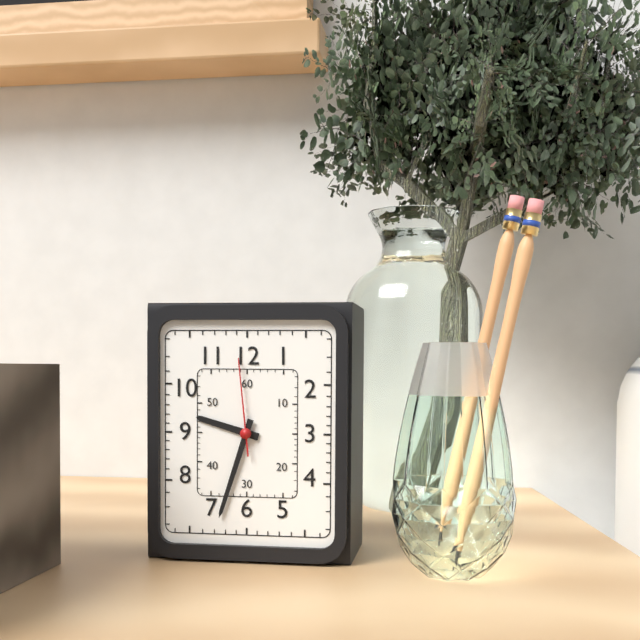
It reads {"hour": 9, "minute": 33, "second": 59}
